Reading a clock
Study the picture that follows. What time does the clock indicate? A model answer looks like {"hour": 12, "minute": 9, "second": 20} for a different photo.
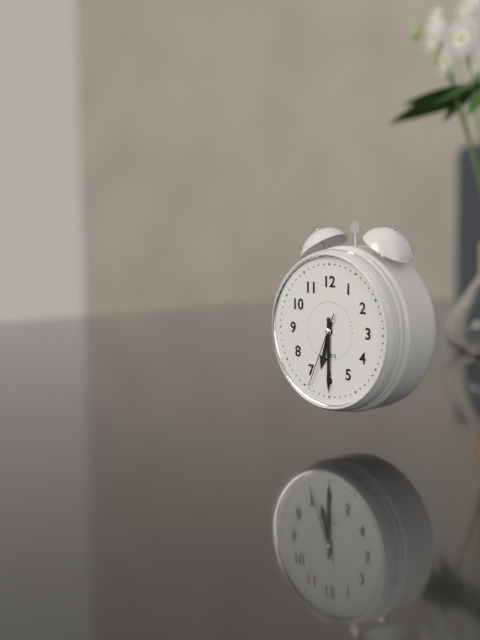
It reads {"hour": 6, "minute": 30, "second": 34}
